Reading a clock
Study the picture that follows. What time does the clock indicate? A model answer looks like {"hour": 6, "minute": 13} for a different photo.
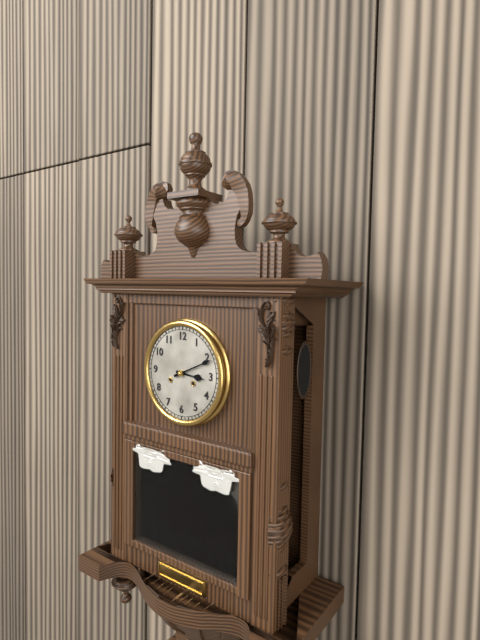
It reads {"hour": 3, "minute": 11}
